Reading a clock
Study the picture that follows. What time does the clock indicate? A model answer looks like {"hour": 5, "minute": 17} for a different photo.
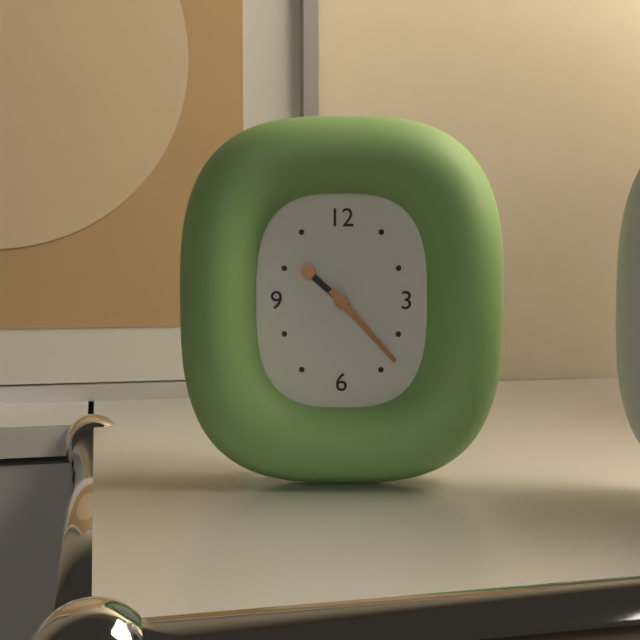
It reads {"hour": 10, "minute": 23}
